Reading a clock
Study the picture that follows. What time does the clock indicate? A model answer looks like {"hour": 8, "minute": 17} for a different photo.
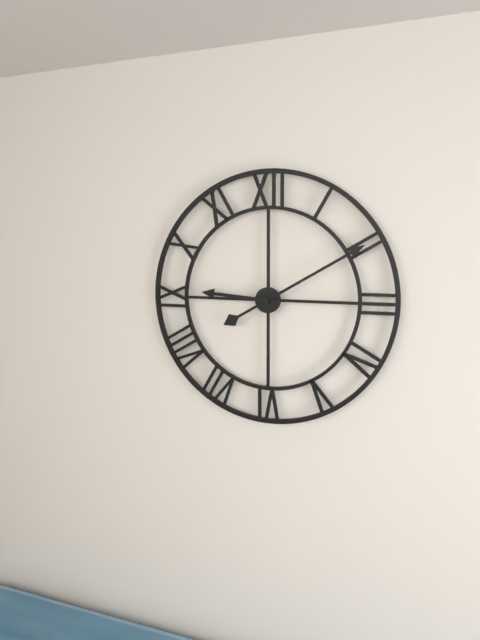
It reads {"hour": 9, "minute": 10}
